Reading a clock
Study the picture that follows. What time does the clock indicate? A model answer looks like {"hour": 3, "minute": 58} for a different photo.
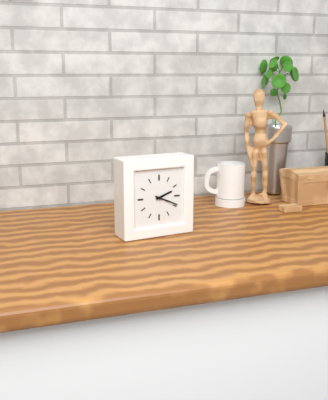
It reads {"hour": 2, "minute": 19}
